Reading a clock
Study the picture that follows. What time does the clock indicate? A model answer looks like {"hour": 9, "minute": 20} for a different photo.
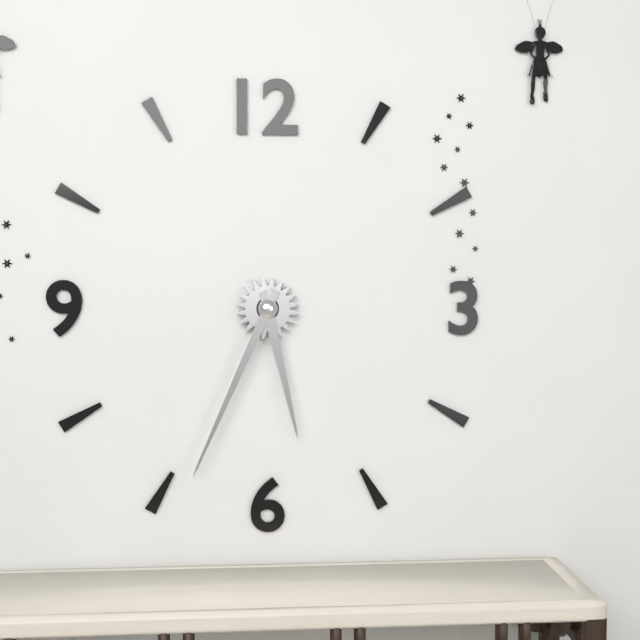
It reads {"hour": 5, "minute": 34}
